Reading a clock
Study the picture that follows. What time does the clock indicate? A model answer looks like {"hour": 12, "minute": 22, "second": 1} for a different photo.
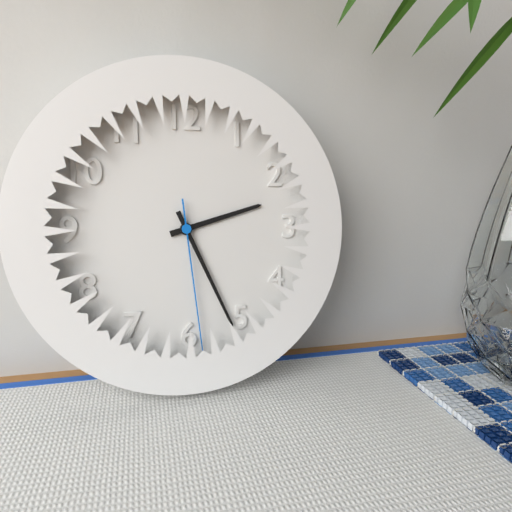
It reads {"hour": 2, "minute": 26, "second": 29}
